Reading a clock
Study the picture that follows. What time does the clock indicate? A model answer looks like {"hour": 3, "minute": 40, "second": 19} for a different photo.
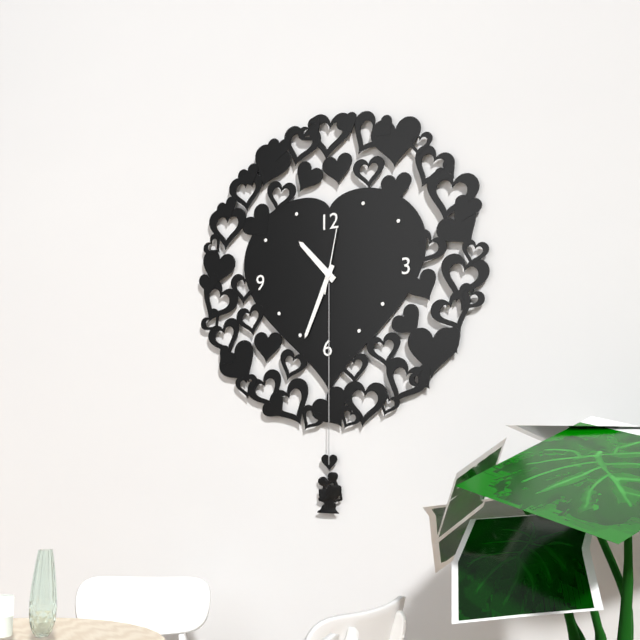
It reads {"hour": 10, "minute": 34, "second": 2}
